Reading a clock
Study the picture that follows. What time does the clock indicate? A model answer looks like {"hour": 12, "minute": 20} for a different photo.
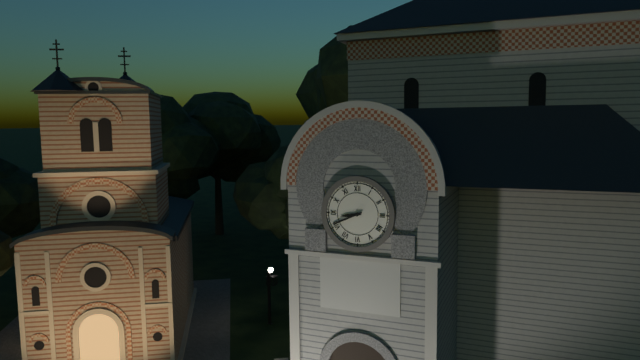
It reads {"hour": 8, "minute": 41}
